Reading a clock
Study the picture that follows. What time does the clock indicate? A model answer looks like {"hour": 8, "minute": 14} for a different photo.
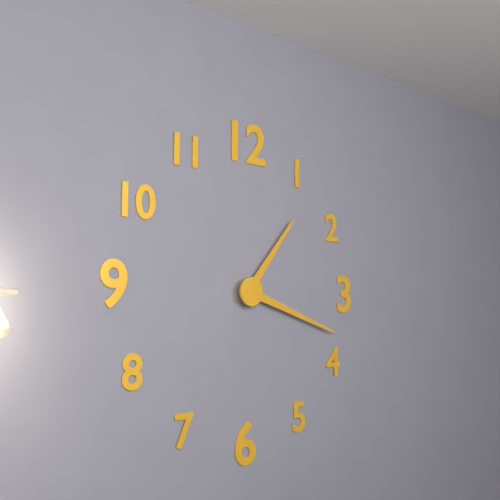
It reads {"hour": 1, "minute": 18}
